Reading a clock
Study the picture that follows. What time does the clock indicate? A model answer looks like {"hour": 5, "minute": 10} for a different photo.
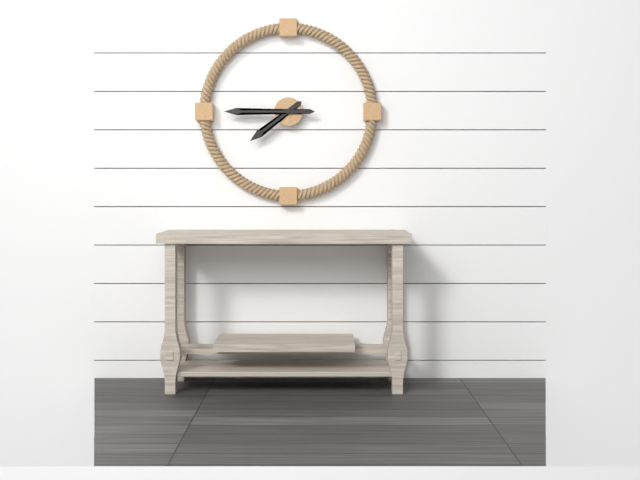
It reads {"hour": 7, "minute": 45}
